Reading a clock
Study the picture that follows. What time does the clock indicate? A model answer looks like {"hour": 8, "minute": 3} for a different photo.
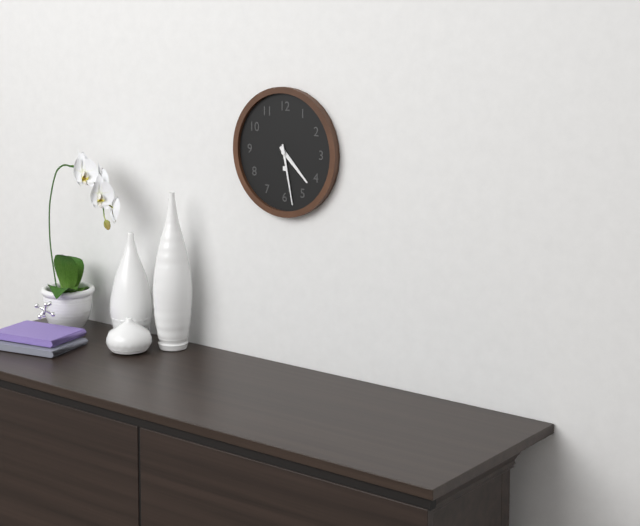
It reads {"hour": 4, "minute": 28}
